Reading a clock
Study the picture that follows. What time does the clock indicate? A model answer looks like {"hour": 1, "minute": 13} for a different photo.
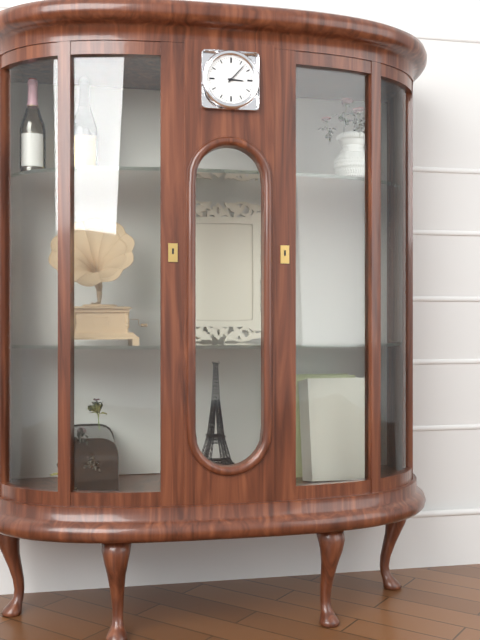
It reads {"hour": 3, "minute": 7}
